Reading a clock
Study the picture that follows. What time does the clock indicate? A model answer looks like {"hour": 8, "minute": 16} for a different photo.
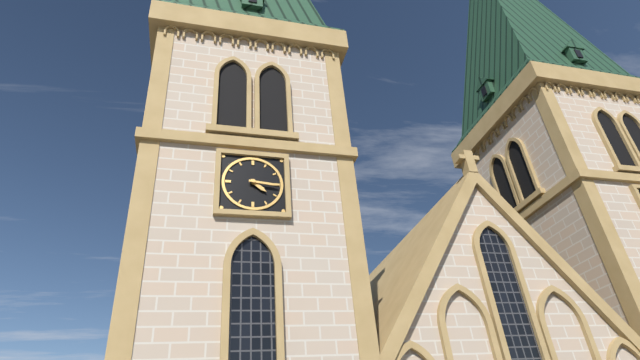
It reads {"hour": 4, "minute": 16}
